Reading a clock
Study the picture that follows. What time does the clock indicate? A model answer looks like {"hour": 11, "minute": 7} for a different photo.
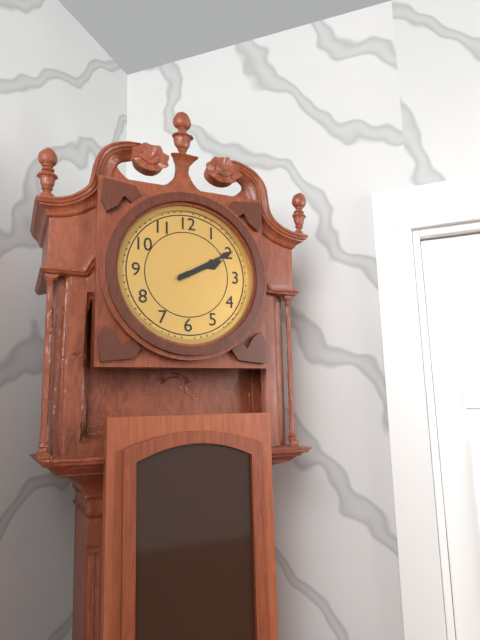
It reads {"hour": 2, "minute": 10}
